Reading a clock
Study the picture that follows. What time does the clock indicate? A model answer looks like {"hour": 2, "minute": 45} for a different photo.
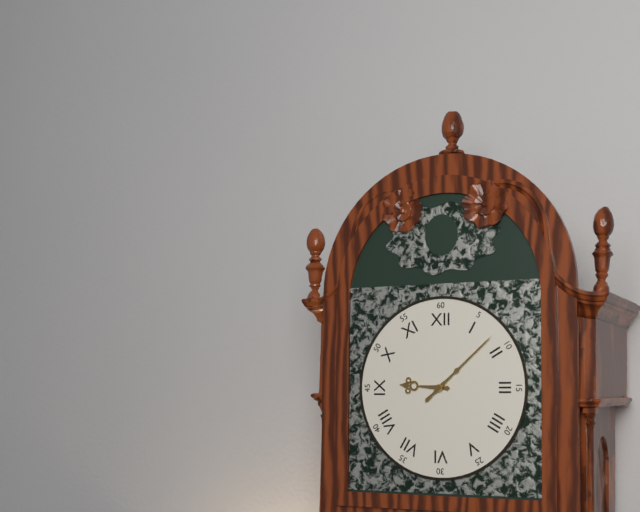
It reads {"hour": 9, "minute": 8}
